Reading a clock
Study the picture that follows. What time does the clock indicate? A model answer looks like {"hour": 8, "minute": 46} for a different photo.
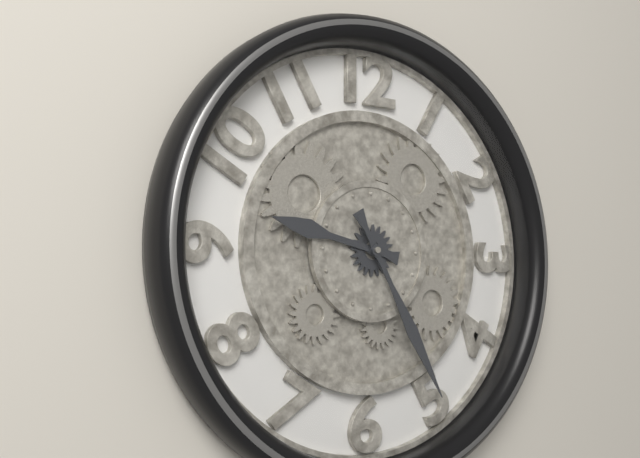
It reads {"hour": 9, "minute": 25}
